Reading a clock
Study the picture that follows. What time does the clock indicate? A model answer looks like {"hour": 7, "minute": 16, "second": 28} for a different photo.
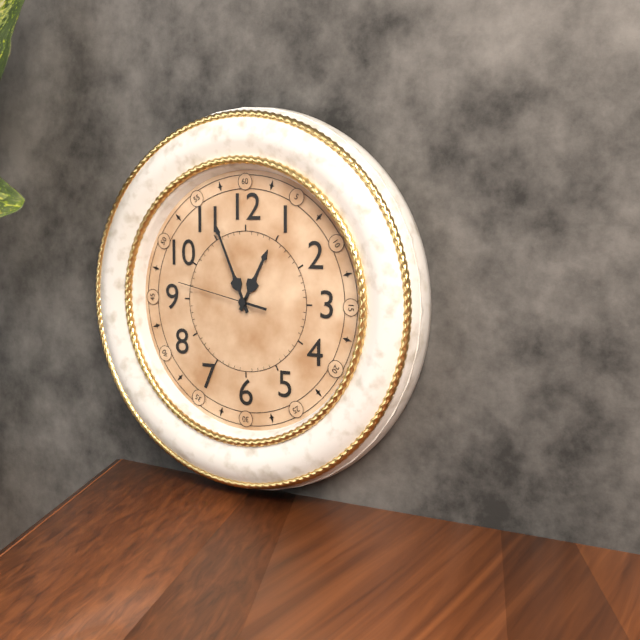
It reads {"hour": 12, "minute": 56, "second": 47}
